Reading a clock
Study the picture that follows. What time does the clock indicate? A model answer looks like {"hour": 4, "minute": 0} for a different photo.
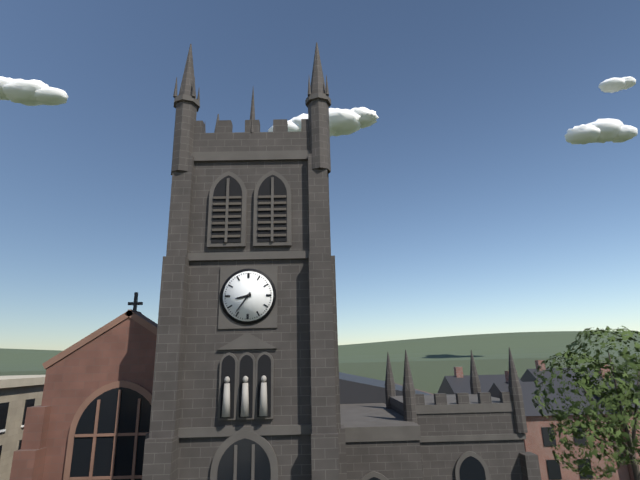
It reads {"hour": 8, "minute": 36}
